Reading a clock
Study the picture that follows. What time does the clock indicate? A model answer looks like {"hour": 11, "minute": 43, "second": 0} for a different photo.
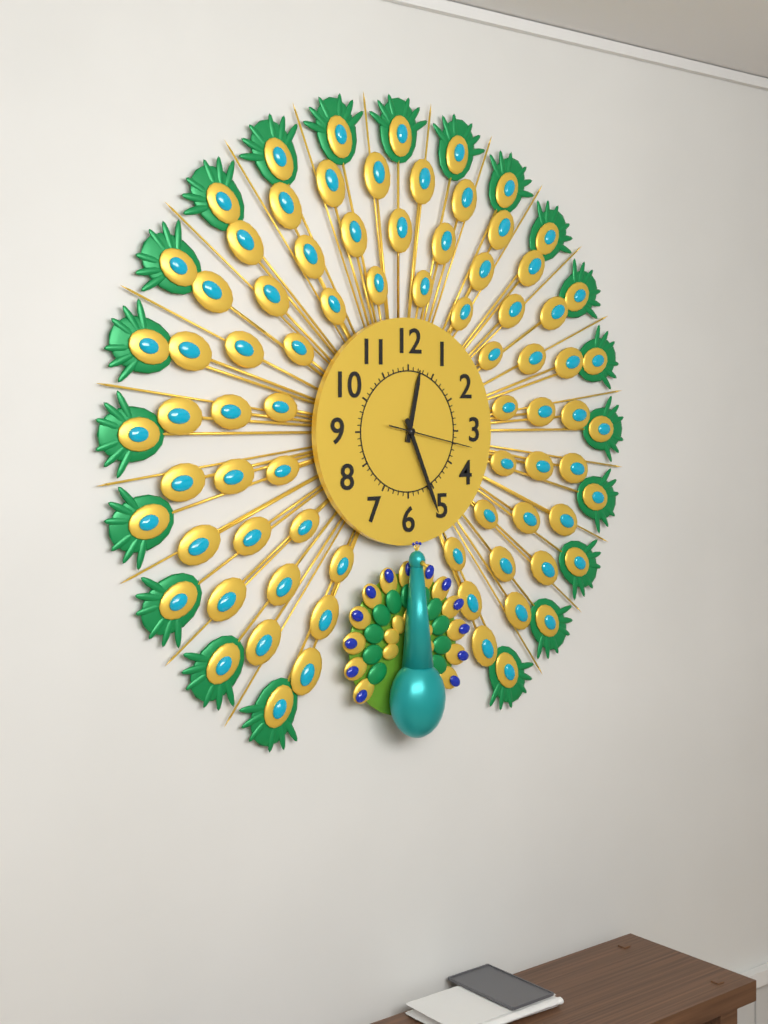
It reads {"hour": 12, "minute": 26, "second": 17}
